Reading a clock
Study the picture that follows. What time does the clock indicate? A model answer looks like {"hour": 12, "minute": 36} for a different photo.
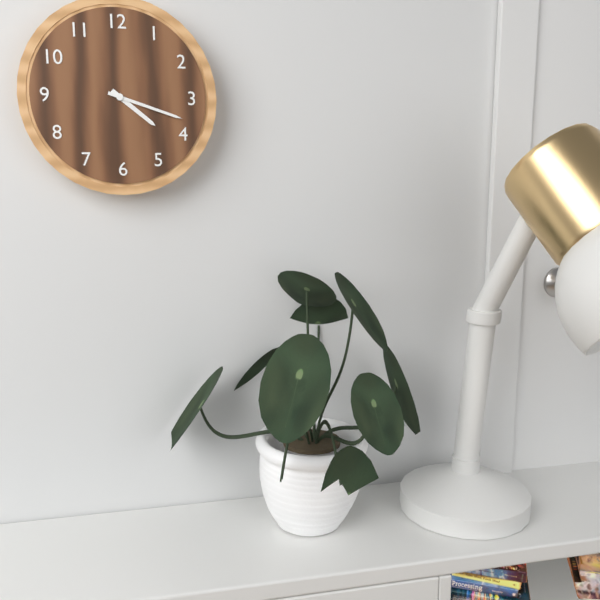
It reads {"hour": 4, "minute": 18}
